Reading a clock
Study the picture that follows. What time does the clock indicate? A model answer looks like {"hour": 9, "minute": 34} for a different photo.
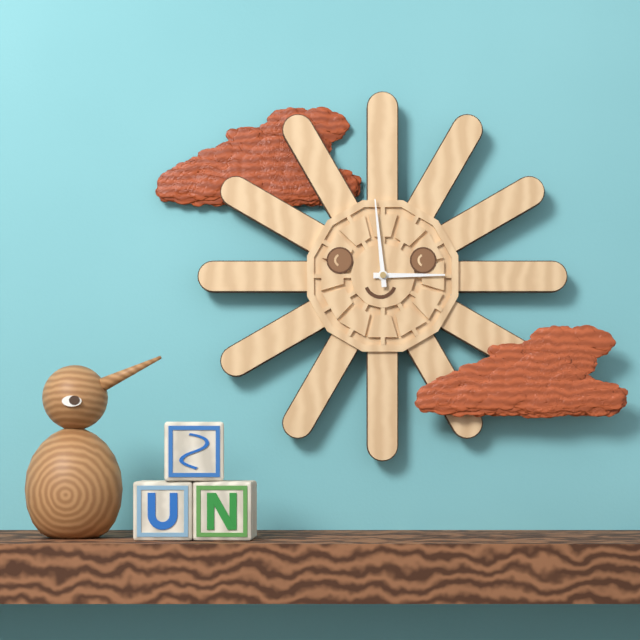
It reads {"hour": 2, "minute": 59}
